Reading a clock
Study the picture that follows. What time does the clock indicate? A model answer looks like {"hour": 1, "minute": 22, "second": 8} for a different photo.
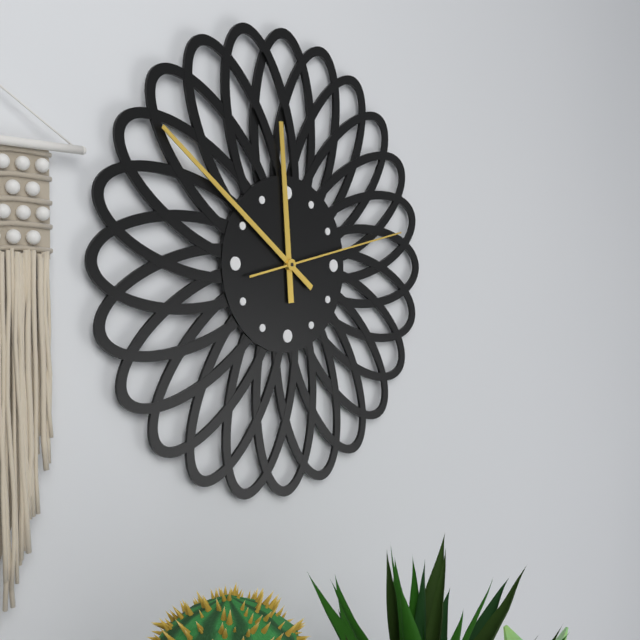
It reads {"hour": 11, "minute": 51, "second": 13}
